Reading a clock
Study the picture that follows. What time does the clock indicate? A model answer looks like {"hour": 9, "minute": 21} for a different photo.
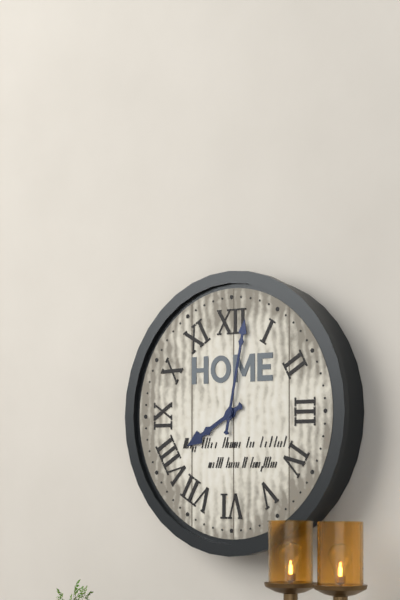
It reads {"hour": 8, "minute": 2}
